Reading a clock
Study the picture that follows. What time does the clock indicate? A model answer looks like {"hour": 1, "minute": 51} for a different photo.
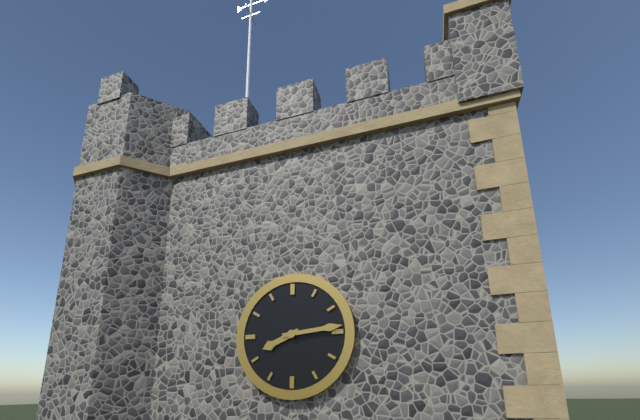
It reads {"hour": 8, "minute": 14}
